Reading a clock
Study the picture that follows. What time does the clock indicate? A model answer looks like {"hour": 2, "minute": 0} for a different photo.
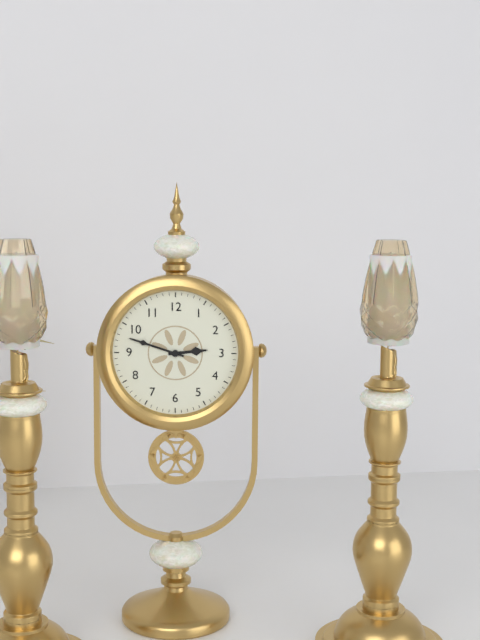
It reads {"hour": 2, "minute": 48}
